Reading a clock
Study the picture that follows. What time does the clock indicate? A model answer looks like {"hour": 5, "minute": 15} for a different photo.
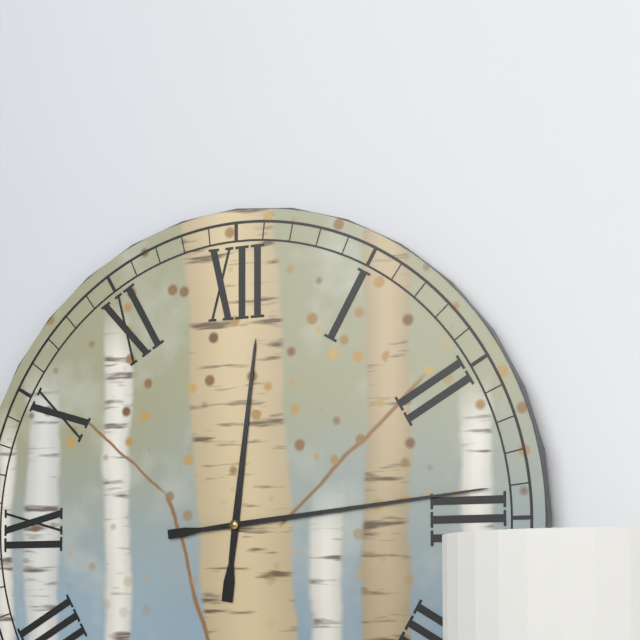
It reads {"hour": 12, "minute": 14}
